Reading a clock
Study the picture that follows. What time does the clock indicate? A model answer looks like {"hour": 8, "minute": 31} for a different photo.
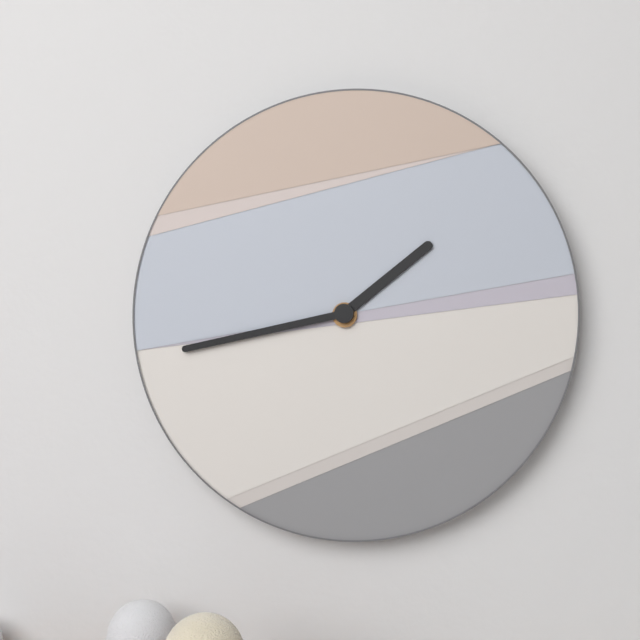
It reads {"hour": 1, "minute": 43}
